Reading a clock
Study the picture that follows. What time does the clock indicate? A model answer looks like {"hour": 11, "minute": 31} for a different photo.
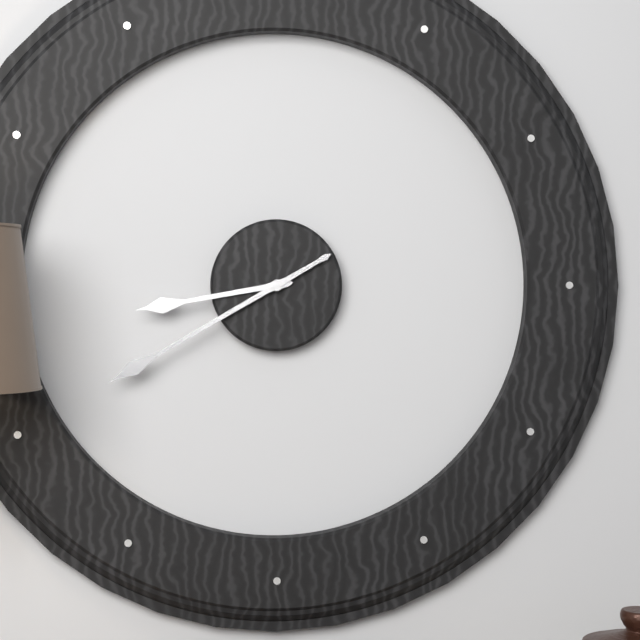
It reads {"hour": 8, "minute": 40}
